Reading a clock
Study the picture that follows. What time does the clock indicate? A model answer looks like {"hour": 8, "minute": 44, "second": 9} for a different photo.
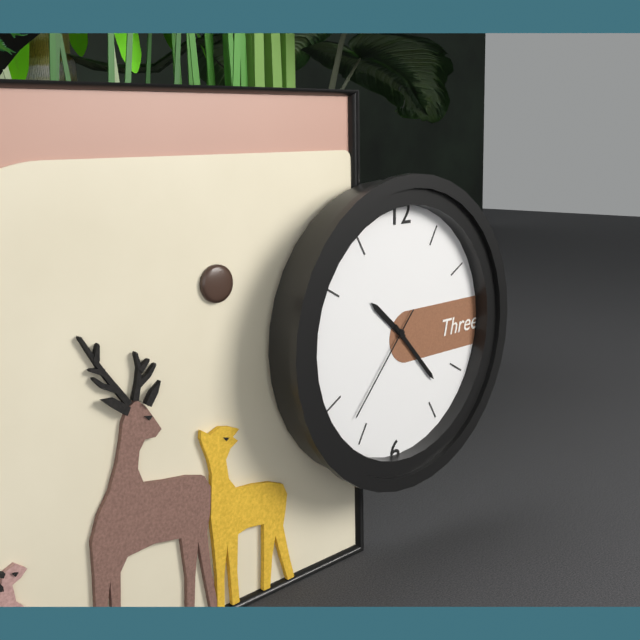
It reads {"hour": 10, "minute": 23, "second": 37}
